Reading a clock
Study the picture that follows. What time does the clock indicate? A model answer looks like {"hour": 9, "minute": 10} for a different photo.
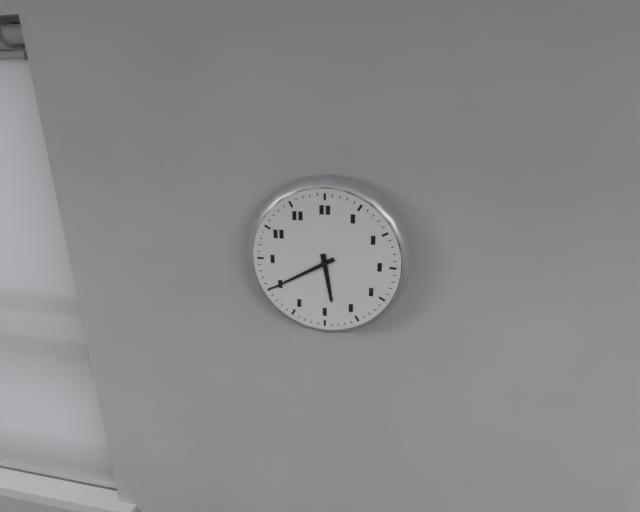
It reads {"hour": 5, "minute": 40}
